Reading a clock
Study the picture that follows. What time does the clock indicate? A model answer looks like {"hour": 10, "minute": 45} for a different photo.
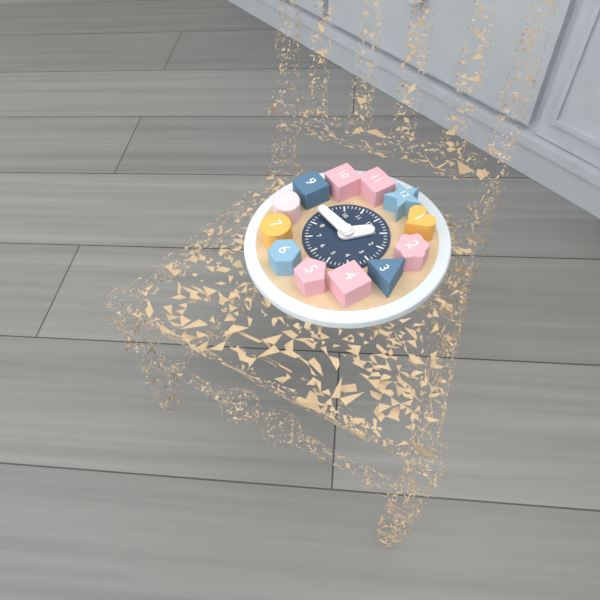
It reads {"hour": 12, "minute": 44}
